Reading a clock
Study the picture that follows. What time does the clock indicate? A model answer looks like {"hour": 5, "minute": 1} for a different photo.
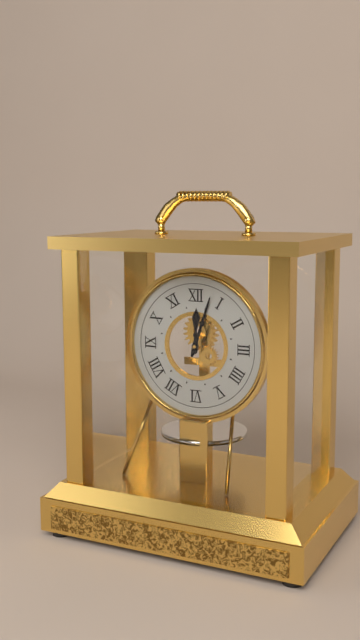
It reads {"hour": 12, "minute": 3}
